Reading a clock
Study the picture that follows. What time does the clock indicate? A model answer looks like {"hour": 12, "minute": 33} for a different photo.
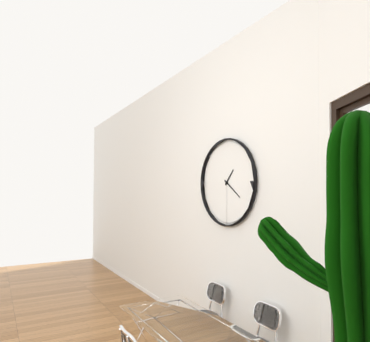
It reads {"hour": 1, "minute": 21}
